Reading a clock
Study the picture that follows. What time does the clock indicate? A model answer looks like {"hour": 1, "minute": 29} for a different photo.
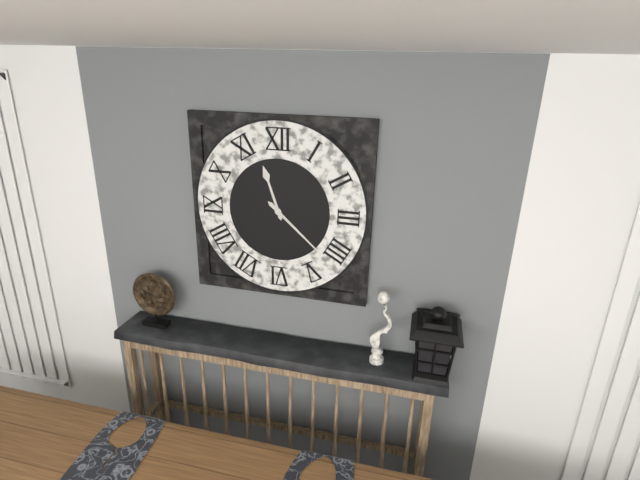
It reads {"hour": 11, "minute": 22}
